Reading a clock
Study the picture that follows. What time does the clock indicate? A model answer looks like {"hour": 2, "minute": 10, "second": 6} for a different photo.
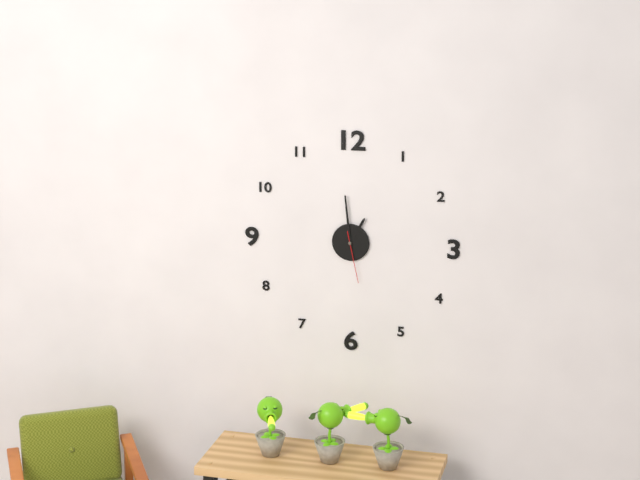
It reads {"hour": 12, "minute": 59, "second": 28}
